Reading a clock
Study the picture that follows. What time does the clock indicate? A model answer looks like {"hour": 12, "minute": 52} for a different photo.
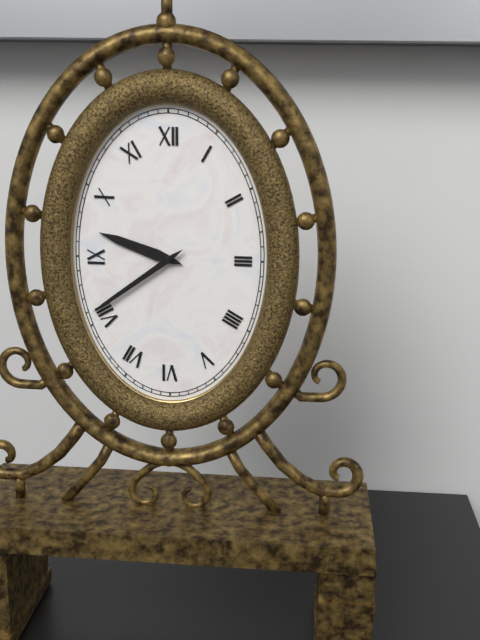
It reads {"hour": 9, "minute": 39}
